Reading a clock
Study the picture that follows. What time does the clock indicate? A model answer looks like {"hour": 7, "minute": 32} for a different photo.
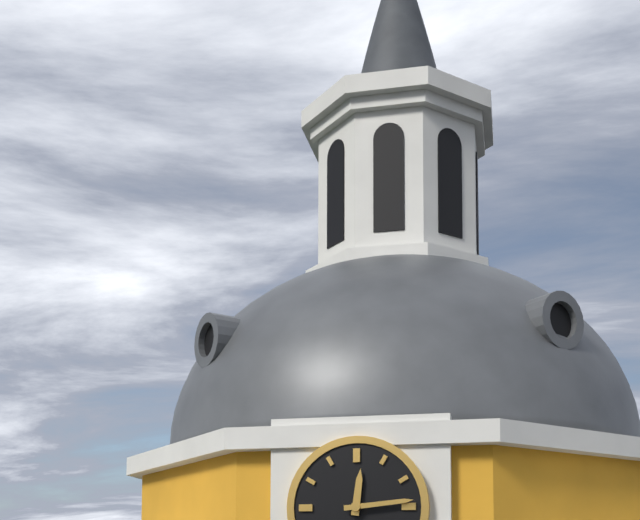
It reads {"hour": 12, "minute": 14}
